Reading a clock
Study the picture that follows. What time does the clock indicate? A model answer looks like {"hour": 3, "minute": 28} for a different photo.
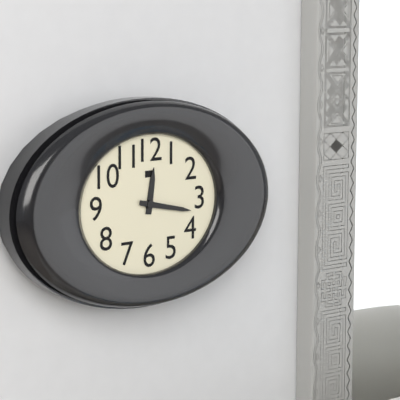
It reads {"hour": 12, "minute": 17}
